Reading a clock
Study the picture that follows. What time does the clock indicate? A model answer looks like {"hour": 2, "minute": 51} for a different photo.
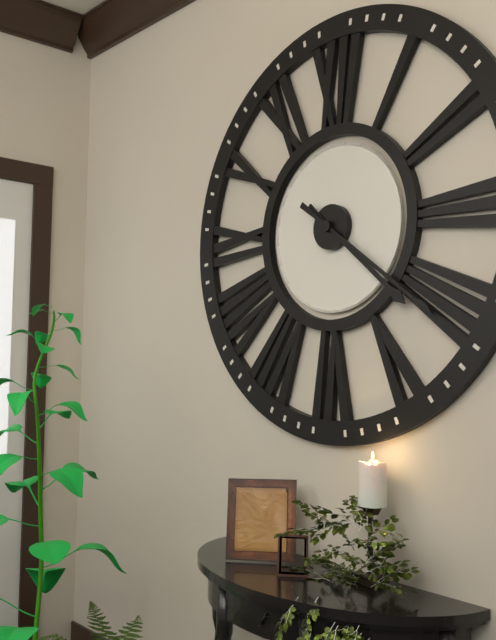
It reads {"hour": 4, "minute": 21}
